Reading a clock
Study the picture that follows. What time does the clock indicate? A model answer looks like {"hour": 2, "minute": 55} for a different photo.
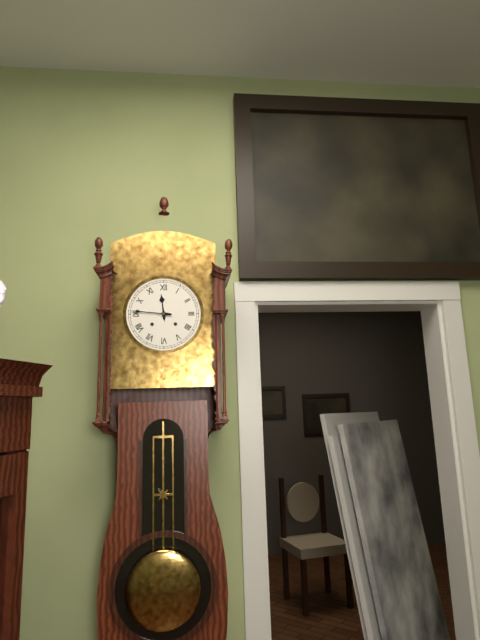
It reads {"hour": 11, "minute": 46}
